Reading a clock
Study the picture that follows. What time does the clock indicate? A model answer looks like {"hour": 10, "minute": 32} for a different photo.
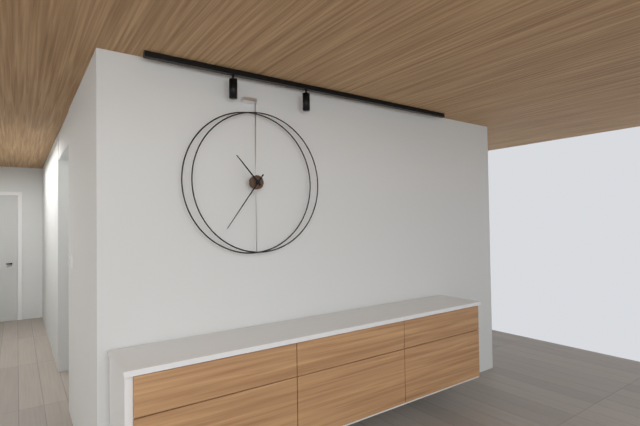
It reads {"hour": 10, "minute": 36}
